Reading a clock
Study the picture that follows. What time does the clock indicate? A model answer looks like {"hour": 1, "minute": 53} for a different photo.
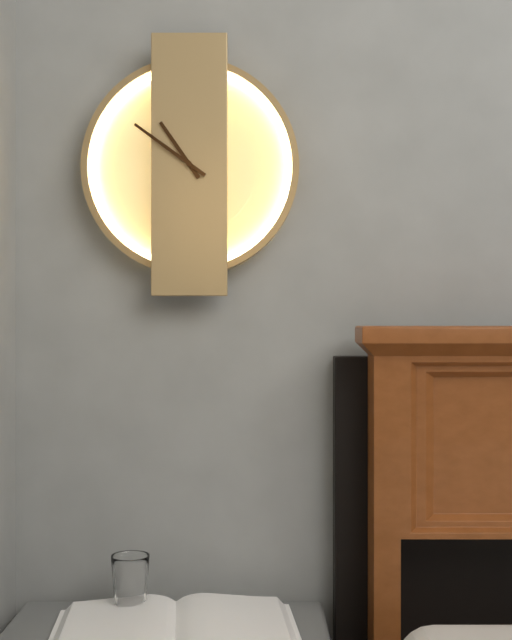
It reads {"hour": 10, "minute": 51}
